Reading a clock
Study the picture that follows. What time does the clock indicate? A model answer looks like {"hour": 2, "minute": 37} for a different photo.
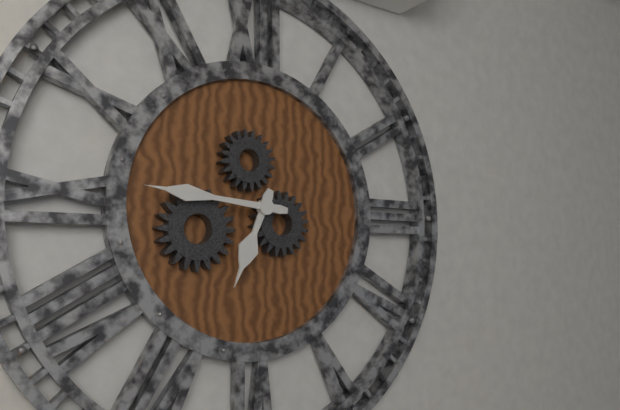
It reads {"hour": 6, "minute": 46}
